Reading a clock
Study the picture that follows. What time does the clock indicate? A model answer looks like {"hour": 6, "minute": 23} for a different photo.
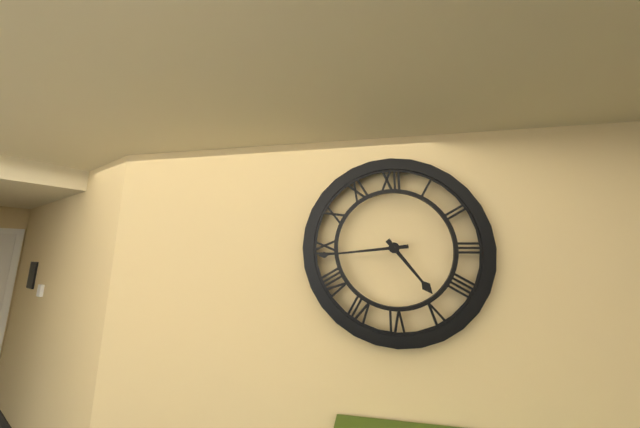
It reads {"hour": 4, "minute": 44}
